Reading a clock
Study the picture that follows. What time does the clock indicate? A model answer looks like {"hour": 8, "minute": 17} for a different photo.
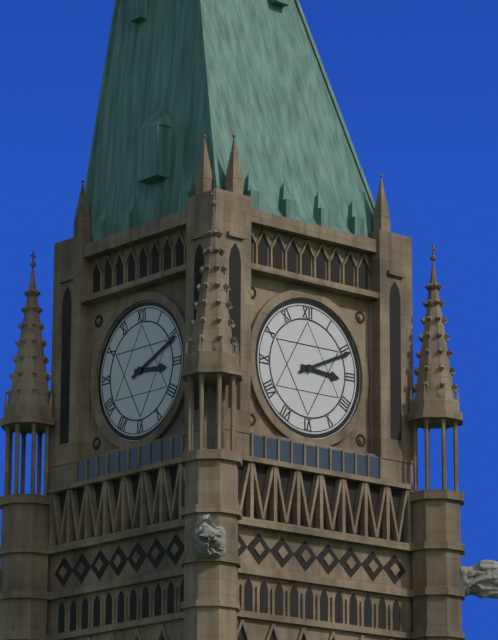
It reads {"hour": 3, "minute": 11}
